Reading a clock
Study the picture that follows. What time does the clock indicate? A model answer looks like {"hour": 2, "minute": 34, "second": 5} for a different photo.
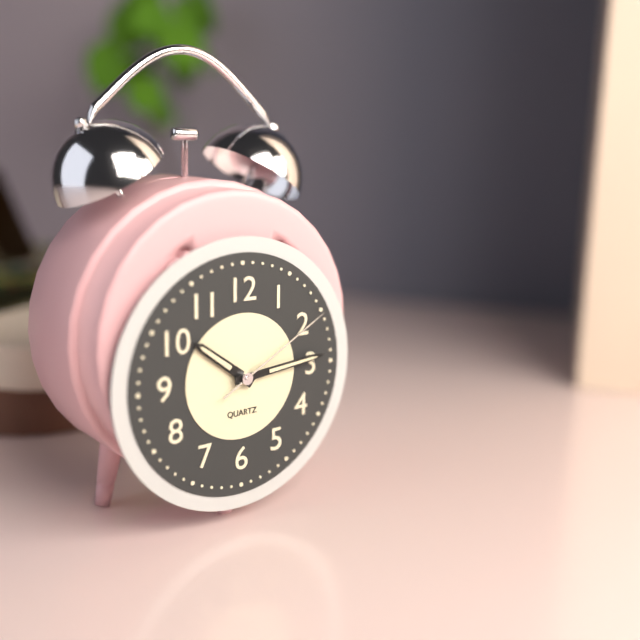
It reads {"hour": 10, "minute": 14, "second": 10}
